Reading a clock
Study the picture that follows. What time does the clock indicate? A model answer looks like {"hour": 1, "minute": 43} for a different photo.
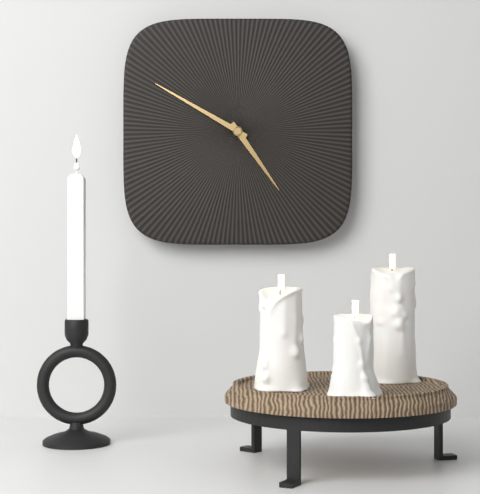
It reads {"hour": 4, "minute": 50}
